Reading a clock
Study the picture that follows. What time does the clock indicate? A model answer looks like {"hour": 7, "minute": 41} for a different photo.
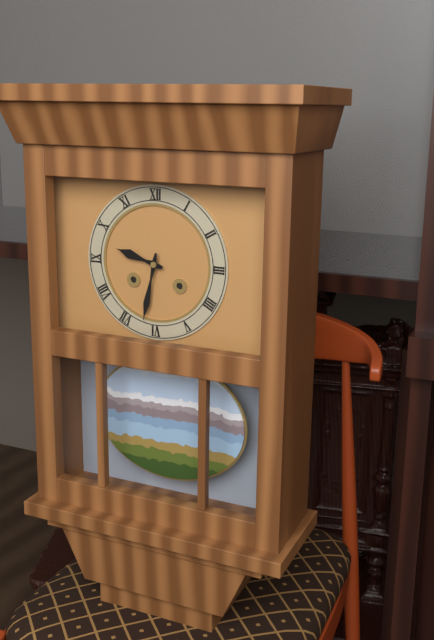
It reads {"hour": 9, "minute": 32}
